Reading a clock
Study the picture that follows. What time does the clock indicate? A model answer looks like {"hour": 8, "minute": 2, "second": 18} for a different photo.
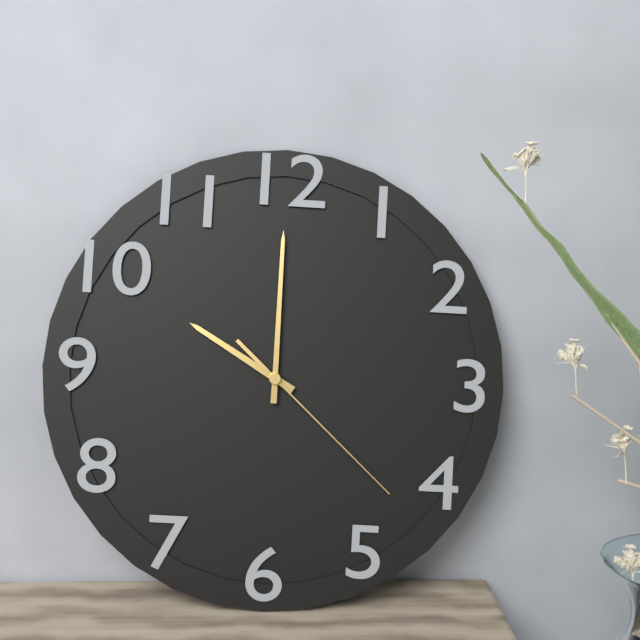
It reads {"hour": 10, "minute": 0, "second": 22}
